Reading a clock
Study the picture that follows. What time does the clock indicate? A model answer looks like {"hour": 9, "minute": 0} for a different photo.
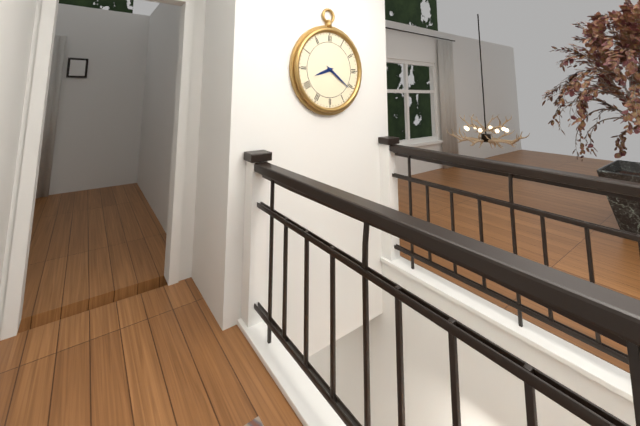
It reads {"hour": 8, "minute": 21}
